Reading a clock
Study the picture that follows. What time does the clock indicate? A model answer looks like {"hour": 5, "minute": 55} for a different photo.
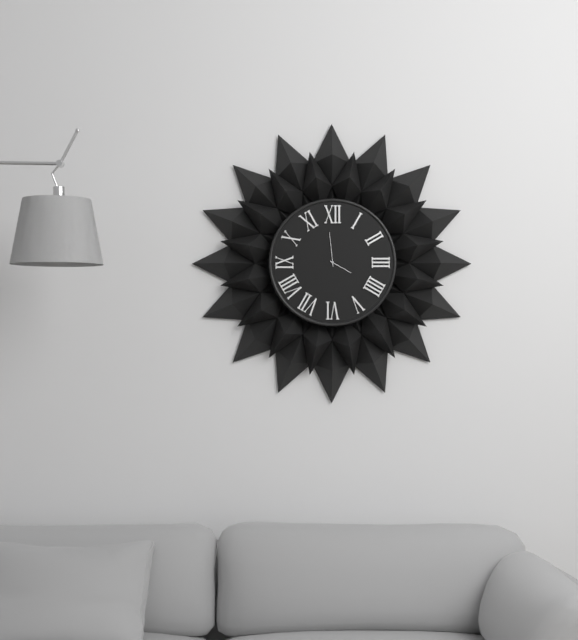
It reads {"hour": 3, "minute": 59}
